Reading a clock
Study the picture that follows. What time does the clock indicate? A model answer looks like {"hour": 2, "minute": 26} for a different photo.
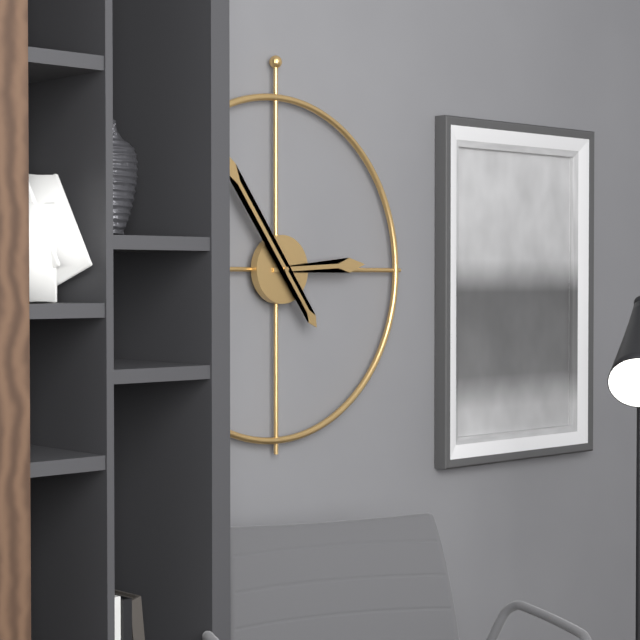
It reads {"hour": 2, "minute": 54}
